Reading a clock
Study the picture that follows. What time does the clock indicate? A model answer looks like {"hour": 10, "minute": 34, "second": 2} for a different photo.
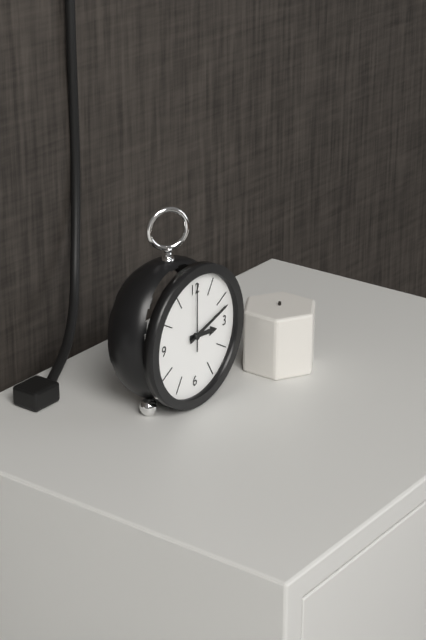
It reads {"hour": 3, "minute": 12, "second": 0}
